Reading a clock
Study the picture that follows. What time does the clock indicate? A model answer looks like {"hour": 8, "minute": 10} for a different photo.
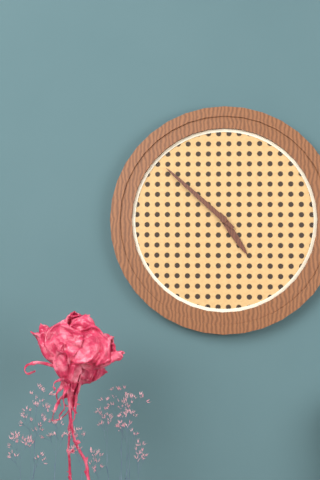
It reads {"hour": 4, "minute": 52}
